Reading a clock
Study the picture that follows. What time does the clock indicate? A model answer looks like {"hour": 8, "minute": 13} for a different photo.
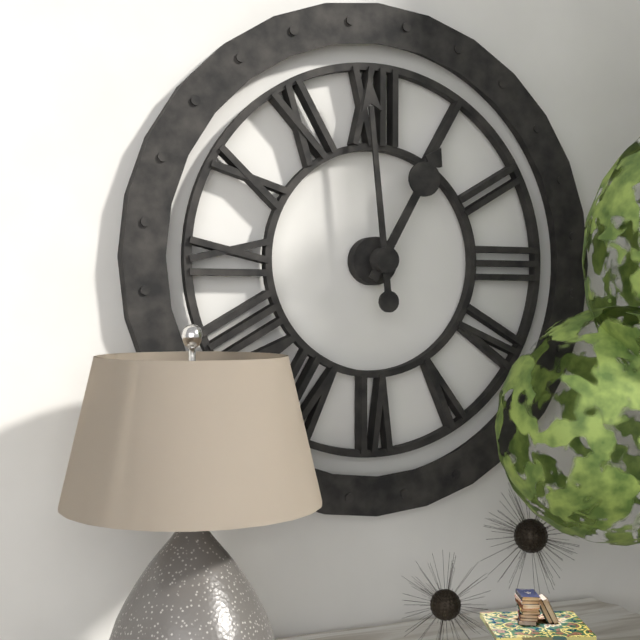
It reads {"hour": 12, "minute": 59}
